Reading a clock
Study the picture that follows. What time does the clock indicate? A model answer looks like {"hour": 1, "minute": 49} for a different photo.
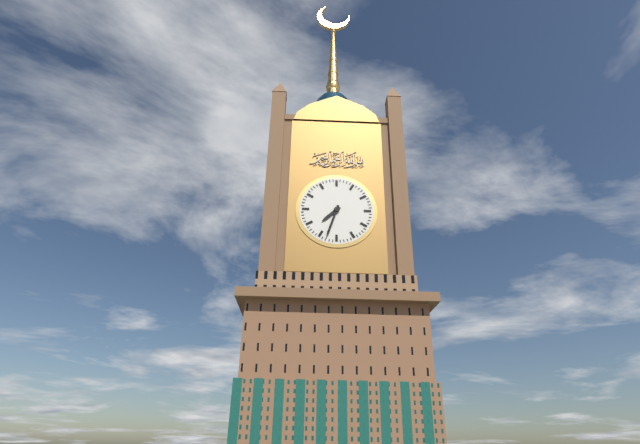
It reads {"hour": 7, "minute": 33}
